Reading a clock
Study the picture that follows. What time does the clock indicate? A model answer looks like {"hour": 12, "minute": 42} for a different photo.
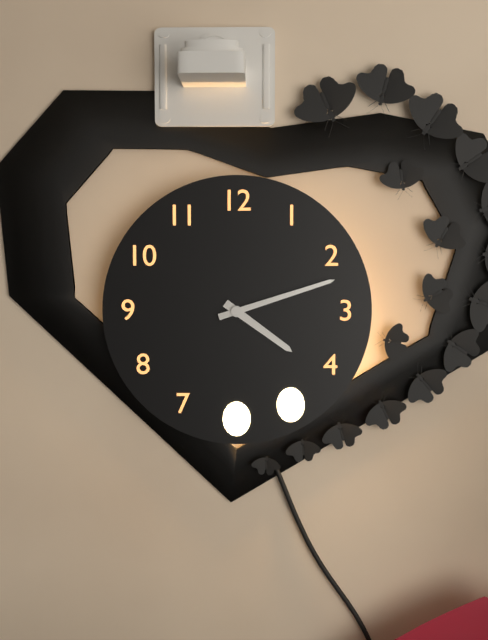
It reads {"hour": 4, "minute": 12}
